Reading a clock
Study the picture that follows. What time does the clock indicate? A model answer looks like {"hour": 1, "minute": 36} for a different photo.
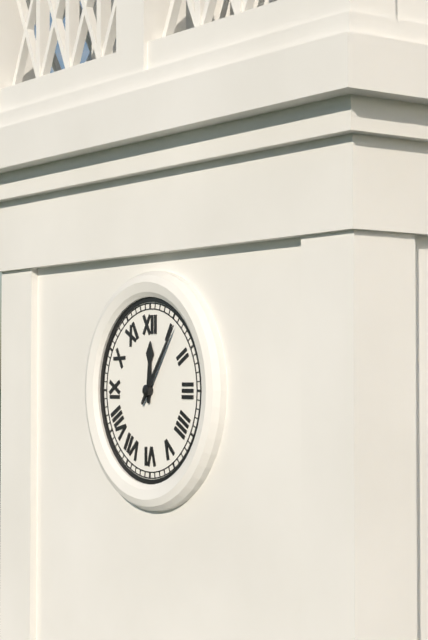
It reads {"hour": 12, "minute": 6}
